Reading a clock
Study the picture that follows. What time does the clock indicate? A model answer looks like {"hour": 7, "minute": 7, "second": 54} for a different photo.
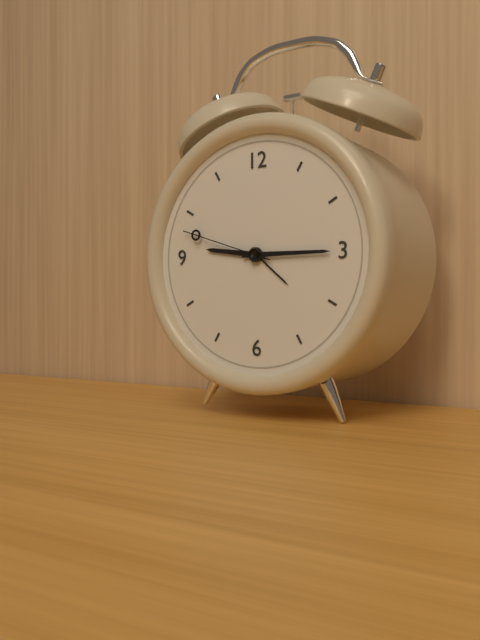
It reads {"hour": 9, "minute": 15, "second": 48}
